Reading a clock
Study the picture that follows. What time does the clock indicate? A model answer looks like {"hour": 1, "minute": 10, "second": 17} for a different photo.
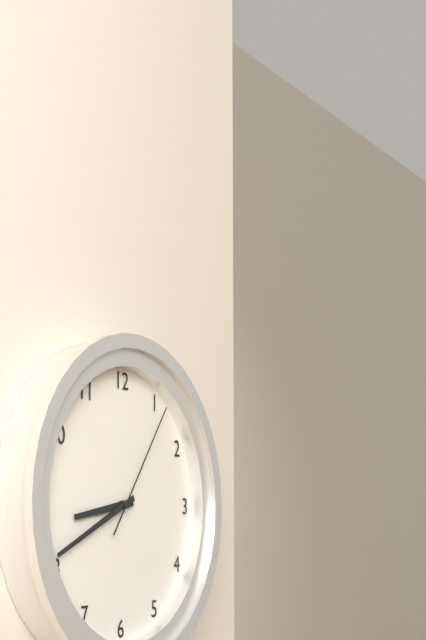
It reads {"hour": 8, "minute": 41, "second": 6}
